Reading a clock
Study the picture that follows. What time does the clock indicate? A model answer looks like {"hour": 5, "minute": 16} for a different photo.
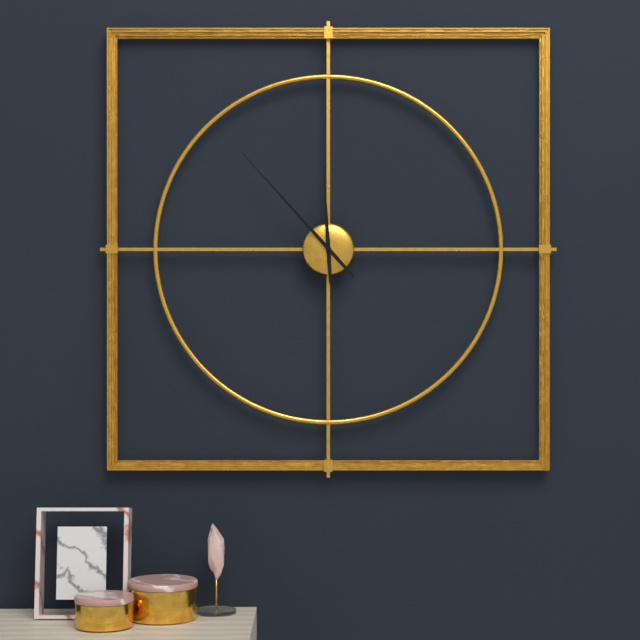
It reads {"hour": 11, "minute": 53}
